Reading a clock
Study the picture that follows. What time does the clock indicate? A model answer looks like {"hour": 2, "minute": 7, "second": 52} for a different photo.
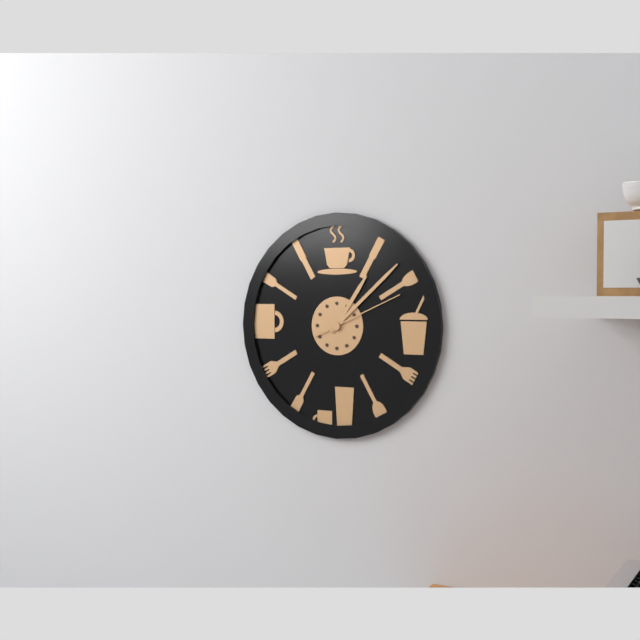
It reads {"hour": 1, "minute": 8, "second": 11}
